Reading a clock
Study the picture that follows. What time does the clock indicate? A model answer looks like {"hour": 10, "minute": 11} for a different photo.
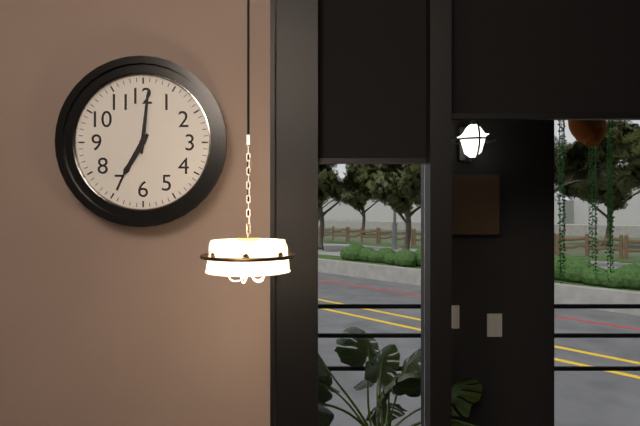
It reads {"hour": 7, "minute": 1}
